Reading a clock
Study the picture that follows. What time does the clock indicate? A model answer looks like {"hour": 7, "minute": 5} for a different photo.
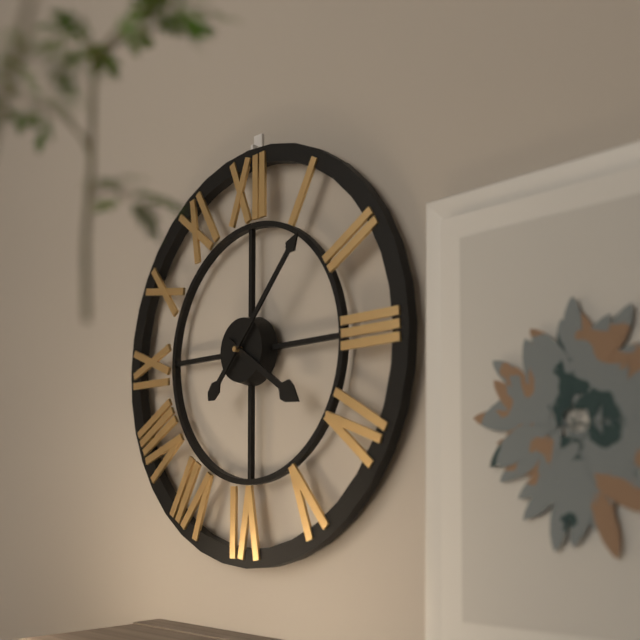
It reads {"hour": 4, "minute": 7}
